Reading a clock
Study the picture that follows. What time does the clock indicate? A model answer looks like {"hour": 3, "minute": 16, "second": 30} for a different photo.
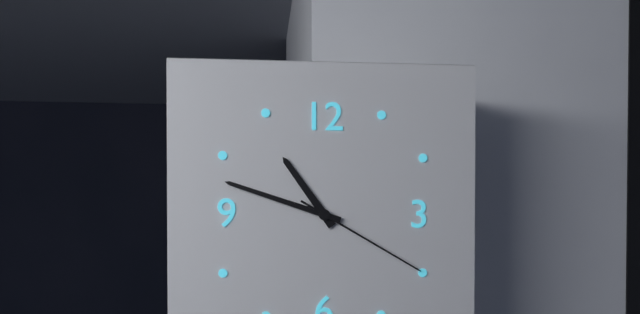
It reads {"hour": 10, "minute": 48, "second": 20}
